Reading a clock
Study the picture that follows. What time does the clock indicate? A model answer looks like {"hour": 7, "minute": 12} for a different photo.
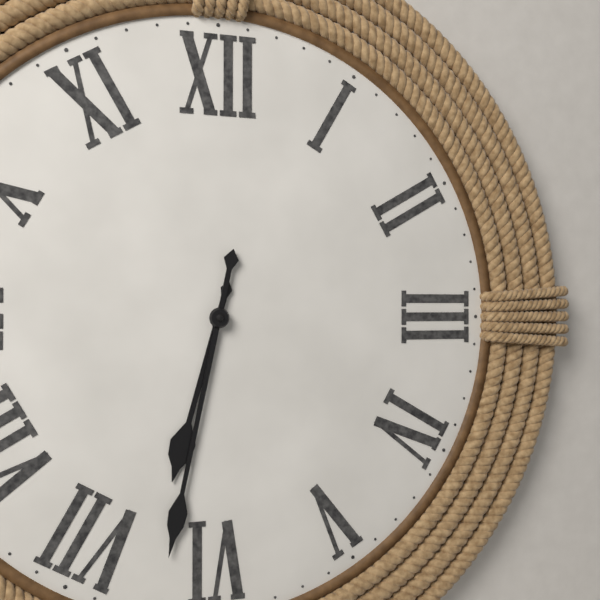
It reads {"hour": 6, "minute": 32}
